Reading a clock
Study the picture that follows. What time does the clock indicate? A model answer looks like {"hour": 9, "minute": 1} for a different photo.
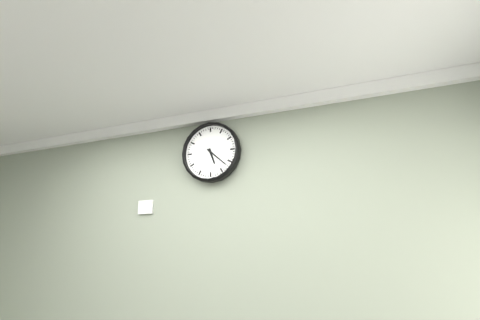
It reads {"hour": 5, "minute": 22}
